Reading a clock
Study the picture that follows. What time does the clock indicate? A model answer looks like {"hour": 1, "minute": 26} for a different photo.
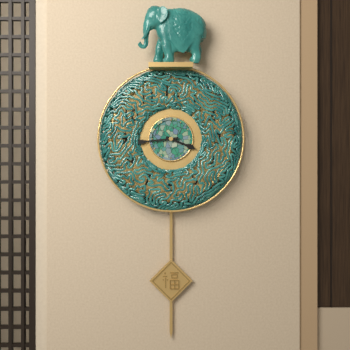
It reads {"hour": 3, "minute": 44}
